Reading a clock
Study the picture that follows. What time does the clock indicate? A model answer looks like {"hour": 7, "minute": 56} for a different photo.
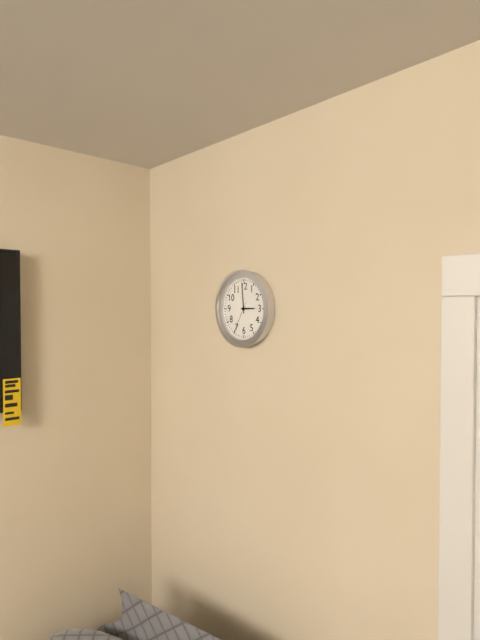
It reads {"hour": 2, "minute": 59}
